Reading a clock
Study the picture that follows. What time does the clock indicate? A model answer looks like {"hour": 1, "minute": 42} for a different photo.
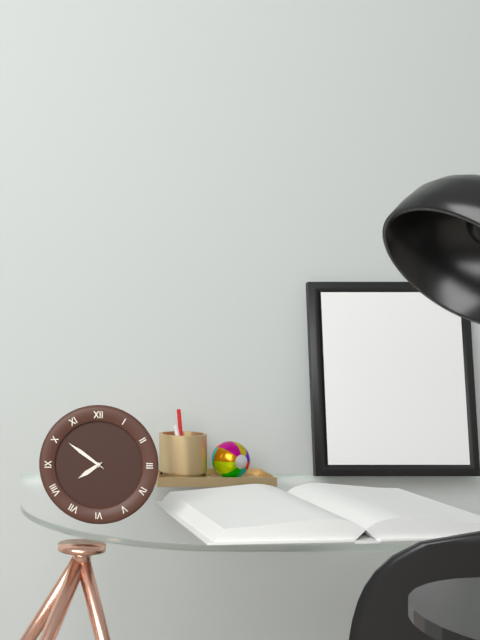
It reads {"hour": 7, "minute": 51}
